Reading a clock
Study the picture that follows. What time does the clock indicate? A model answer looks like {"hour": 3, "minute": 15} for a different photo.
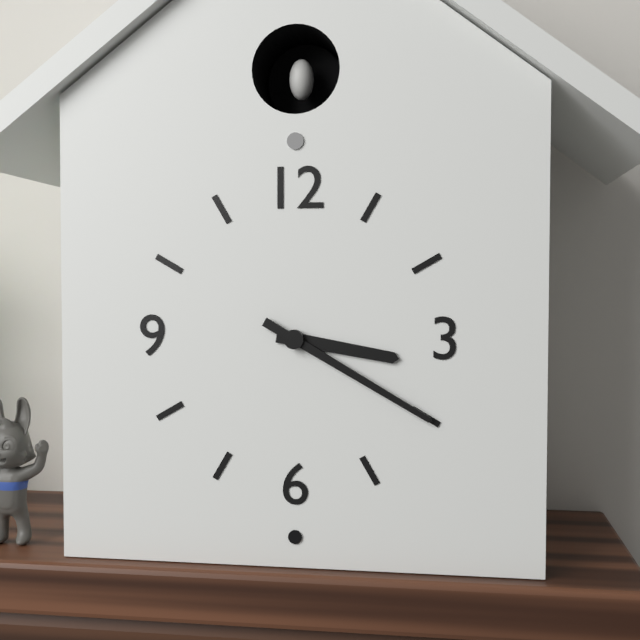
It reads {"hour": 3, "minute": 20}
